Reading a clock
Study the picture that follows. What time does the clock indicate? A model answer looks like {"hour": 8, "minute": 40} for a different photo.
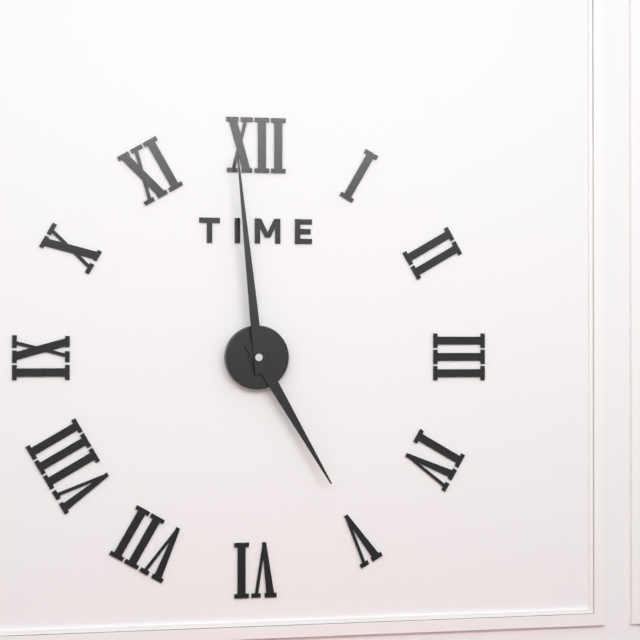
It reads {"hour": 4, "minute": 59}
